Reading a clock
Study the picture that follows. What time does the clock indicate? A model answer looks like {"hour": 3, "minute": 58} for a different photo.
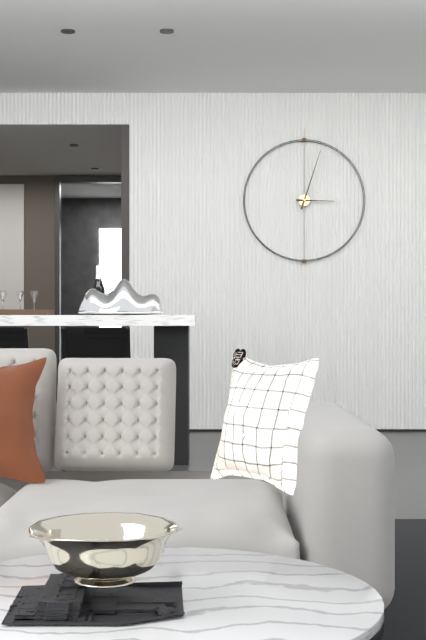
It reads {"hour": 3, "minute": 3}
